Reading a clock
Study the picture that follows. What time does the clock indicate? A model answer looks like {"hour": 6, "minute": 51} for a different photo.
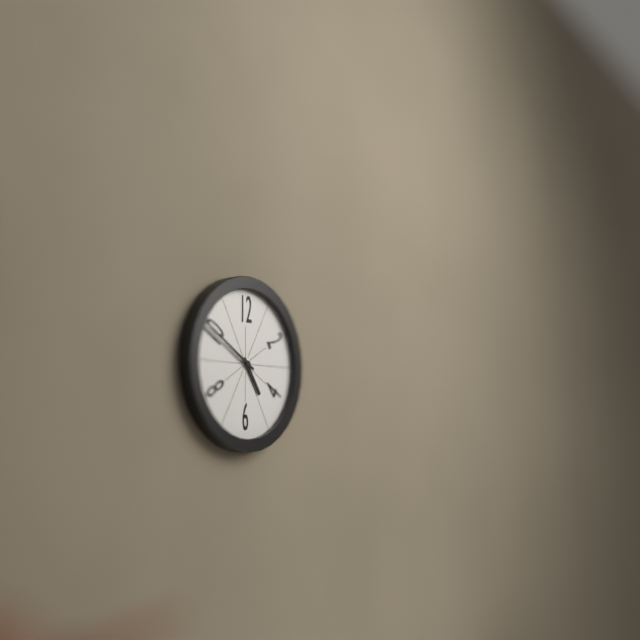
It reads {"hour": 4, "minute": 50}
